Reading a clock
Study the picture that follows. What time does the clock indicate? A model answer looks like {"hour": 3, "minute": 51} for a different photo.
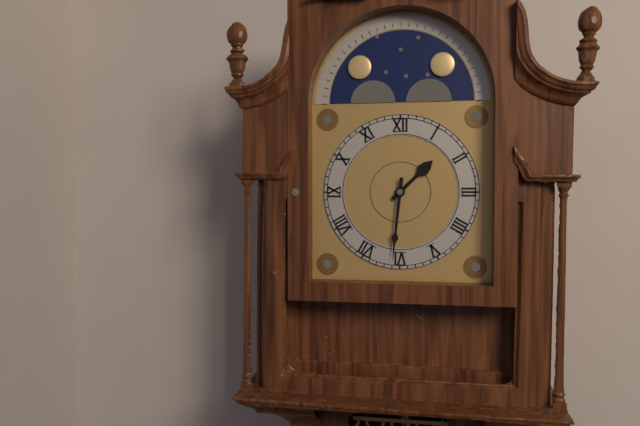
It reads {"hour": 1, "minute": 31}
